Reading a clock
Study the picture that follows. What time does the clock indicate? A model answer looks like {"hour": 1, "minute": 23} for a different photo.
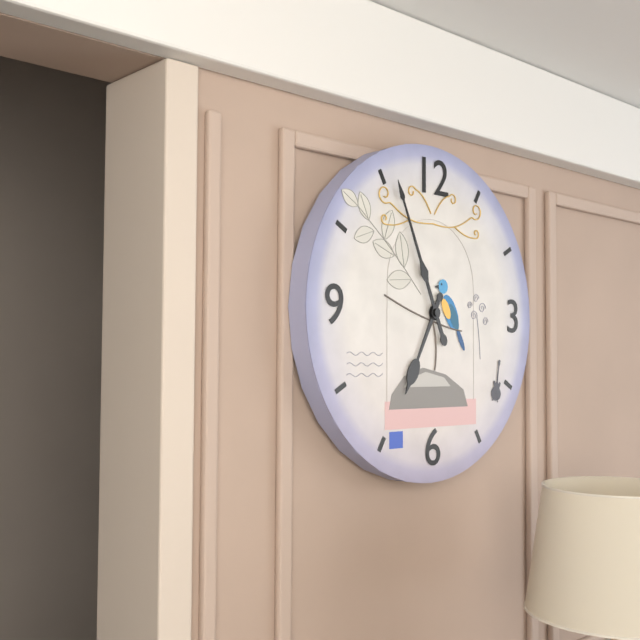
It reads {"hour": 6, "minute": 56}
